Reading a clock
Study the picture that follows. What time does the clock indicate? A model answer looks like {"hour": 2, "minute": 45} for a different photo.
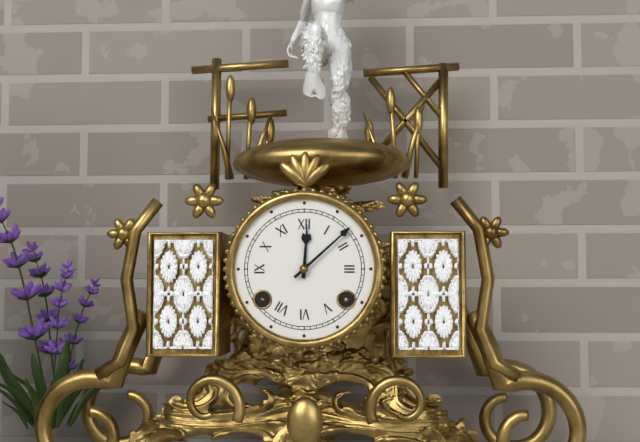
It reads {"hour": 12, "minute": 8}
